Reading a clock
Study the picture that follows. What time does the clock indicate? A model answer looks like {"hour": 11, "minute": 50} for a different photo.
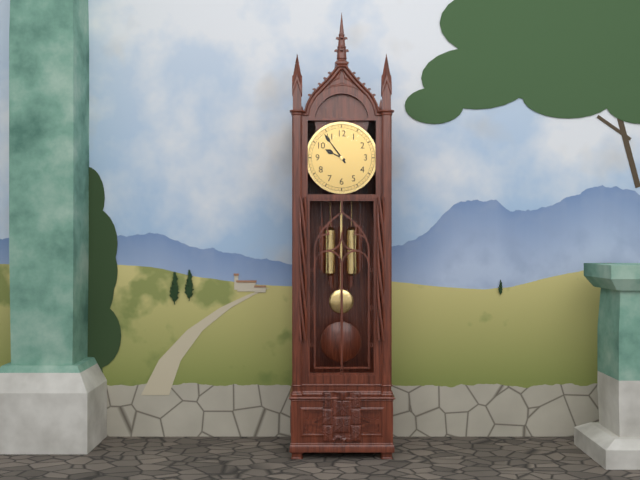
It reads {"hour": 9, "minute": 54}
